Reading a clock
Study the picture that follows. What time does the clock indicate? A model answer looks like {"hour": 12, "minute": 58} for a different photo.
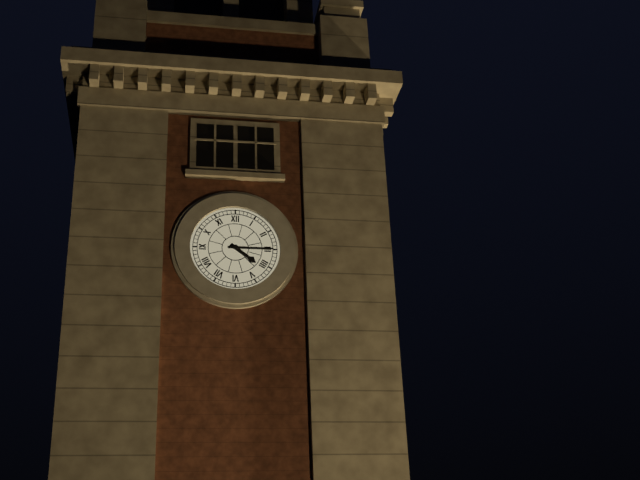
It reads {"hour": 4, "minute": 15}
